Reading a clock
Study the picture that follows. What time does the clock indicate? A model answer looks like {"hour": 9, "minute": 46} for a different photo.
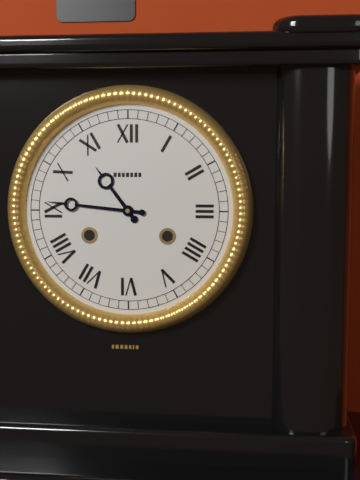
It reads {"hour": 10, "minute": 46}
